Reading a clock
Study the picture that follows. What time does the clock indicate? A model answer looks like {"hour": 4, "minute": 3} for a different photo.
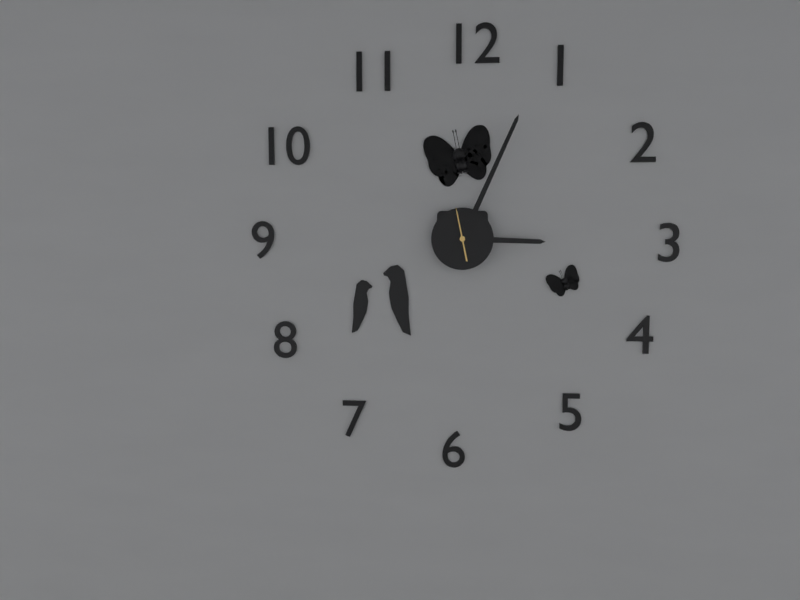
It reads {"hour": 3, "minute": 4}
